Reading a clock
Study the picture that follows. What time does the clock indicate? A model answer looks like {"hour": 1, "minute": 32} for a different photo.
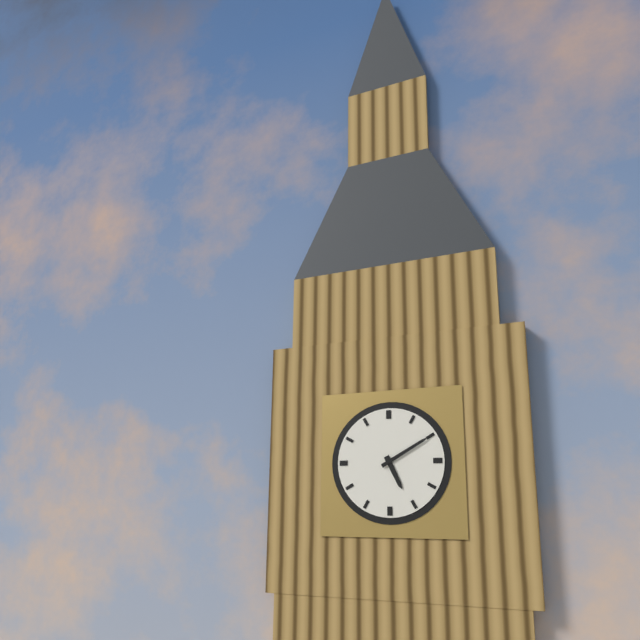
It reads {"hour": 5, "minute": 10}
